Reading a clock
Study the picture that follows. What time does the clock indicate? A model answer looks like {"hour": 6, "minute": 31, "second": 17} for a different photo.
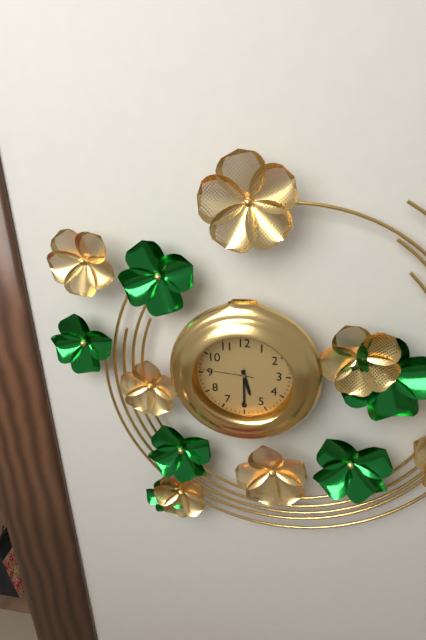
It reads {"hour": 5, "minute": 30, "second": 46}
